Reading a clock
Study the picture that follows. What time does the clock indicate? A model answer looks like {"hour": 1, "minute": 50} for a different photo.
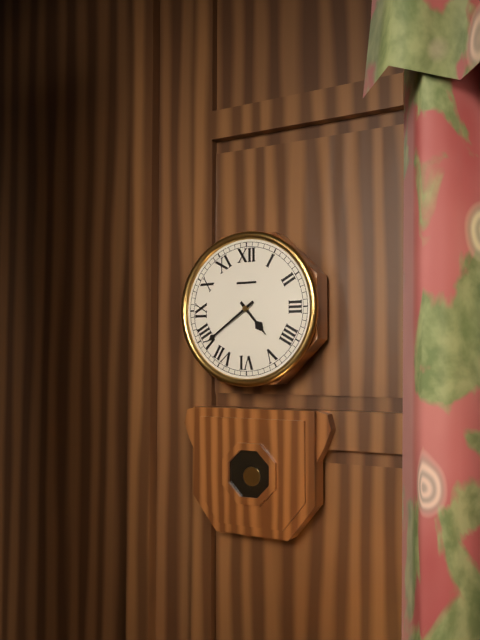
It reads {"hour": 4, "minute": 39}
